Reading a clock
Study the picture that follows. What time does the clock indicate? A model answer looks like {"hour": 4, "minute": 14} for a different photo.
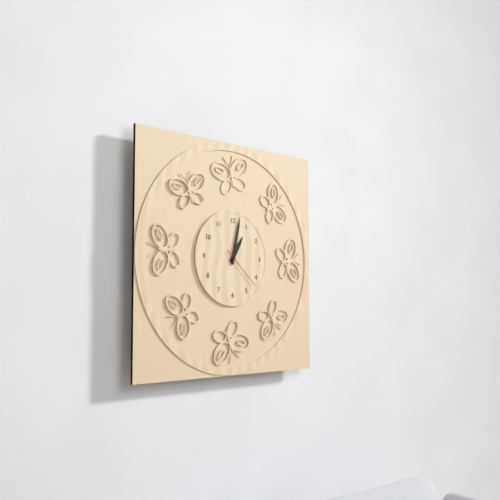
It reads {"hour": 1, "minute": 2}
